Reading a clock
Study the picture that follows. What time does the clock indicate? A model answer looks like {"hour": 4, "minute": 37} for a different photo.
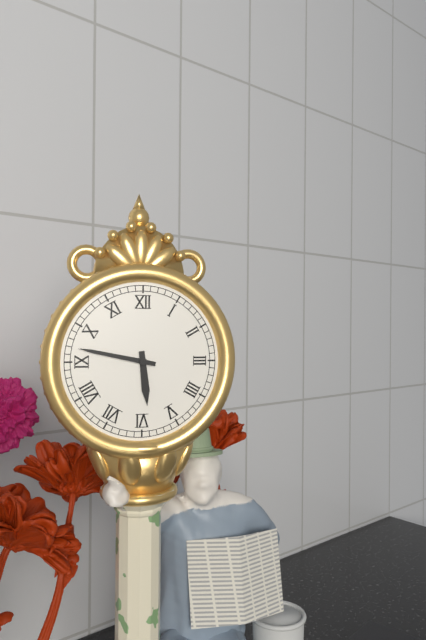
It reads {"hour": 5, "minute": 47}
